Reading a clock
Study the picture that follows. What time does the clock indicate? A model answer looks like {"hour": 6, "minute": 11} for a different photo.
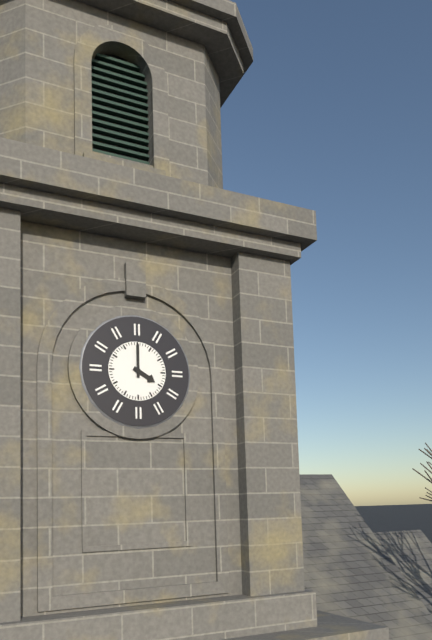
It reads {"hour": 4, "minute": 0}
